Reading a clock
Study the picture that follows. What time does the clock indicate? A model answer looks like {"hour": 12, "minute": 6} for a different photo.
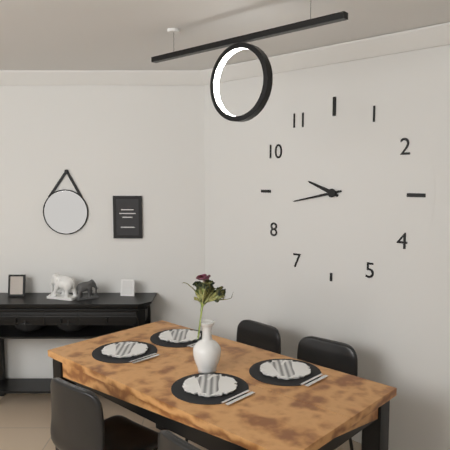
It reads {"hour": 9, "minute": 43}
